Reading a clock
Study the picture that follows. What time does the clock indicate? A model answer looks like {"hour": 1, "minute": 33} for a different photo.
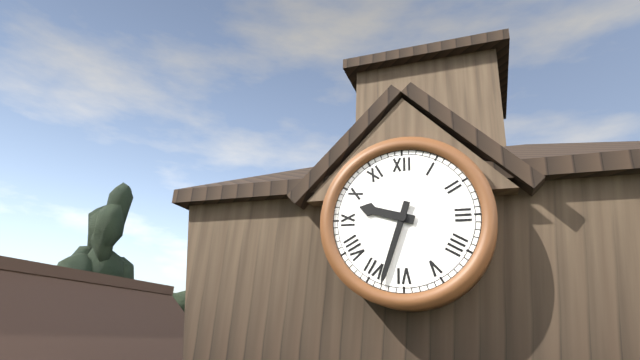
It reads {"hour": 9, "minute": 33}
